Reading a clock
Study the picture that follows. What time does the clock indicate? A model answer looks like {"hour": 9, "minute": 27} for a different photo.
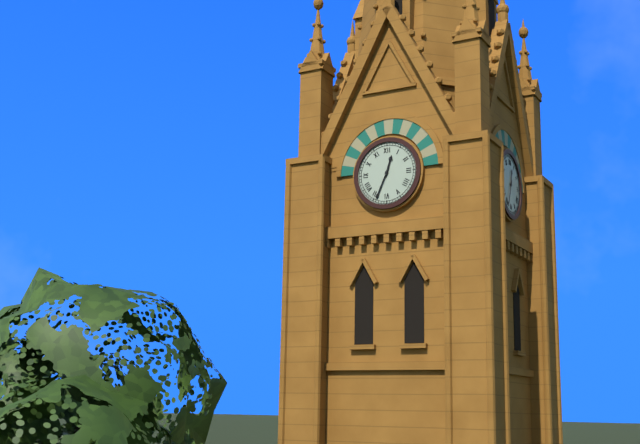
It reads {"hour": 12, "minute": 34}
